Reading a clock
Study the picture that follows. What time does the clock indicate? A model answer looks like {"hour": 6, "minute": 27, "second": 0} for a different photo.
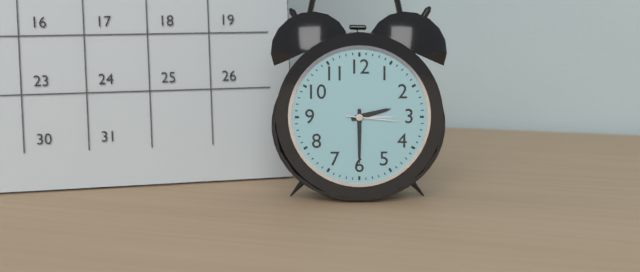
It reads {"hour": 2, "minute": 30, "second": 16}
